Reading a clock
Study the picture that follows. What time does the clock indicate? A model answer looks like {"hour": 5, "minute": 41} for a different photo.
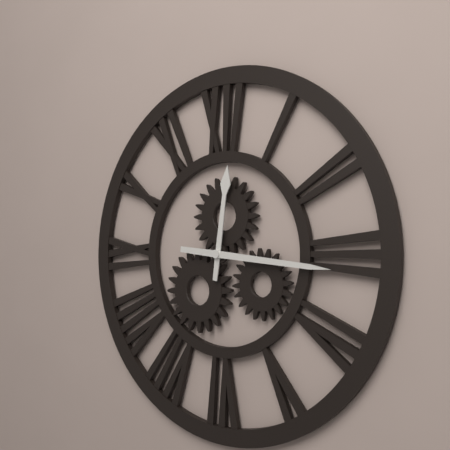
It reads {"hour": 12, "minute": 16}
